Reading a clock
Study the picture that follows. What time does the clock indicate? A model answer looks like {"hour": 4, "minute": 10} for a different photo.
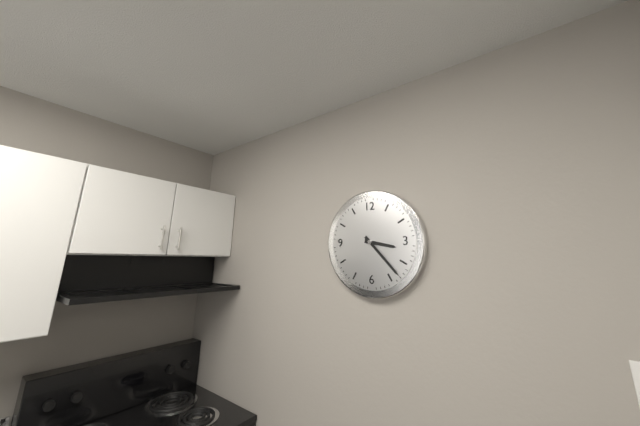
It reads {"hour": 3, "minute": 23}
